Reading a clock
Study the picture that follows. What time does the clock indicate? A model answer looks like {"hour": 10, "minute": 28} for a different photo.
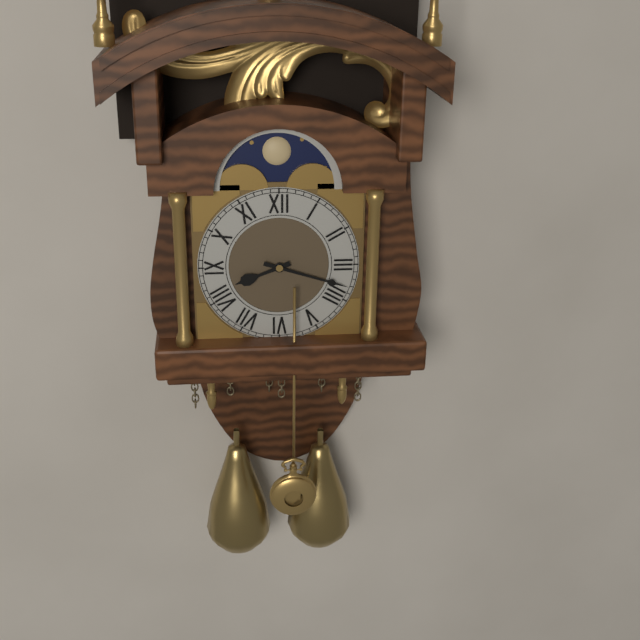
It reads {"hour": 8, "minute": 18}
